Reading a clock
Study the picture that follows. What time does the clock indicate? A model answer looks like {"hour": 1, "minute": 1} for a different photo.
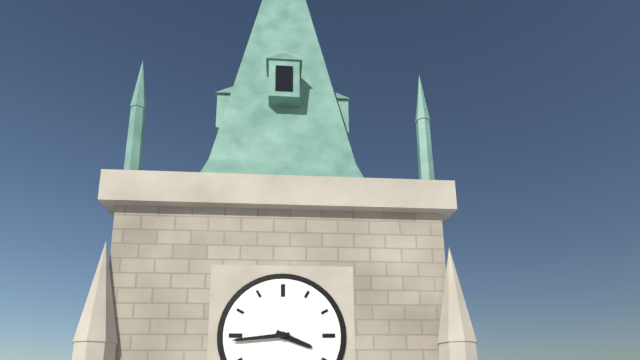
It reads {"hour": 3, "minute": 44}
